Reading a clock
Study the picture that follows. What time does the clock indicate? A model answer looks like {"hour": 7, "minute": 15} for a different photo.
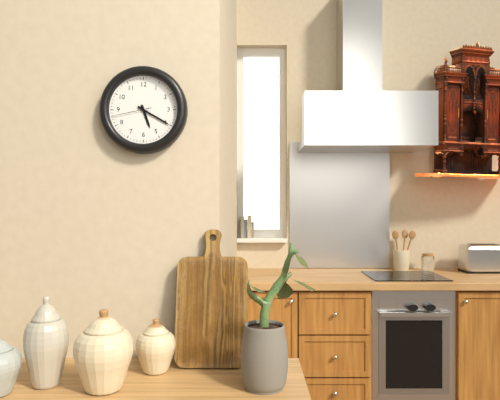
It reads {"hour": 5, "minute": 20}
